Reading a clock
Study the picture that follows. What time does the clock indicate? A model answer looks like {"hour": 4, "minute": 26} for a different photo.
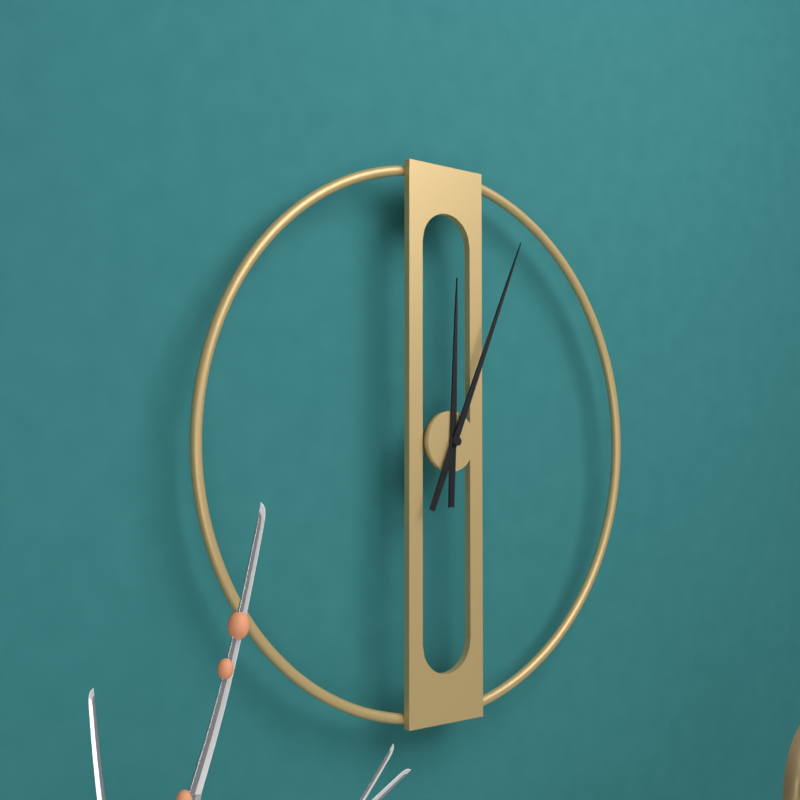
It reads {"hour": 12, "minute": 4}
